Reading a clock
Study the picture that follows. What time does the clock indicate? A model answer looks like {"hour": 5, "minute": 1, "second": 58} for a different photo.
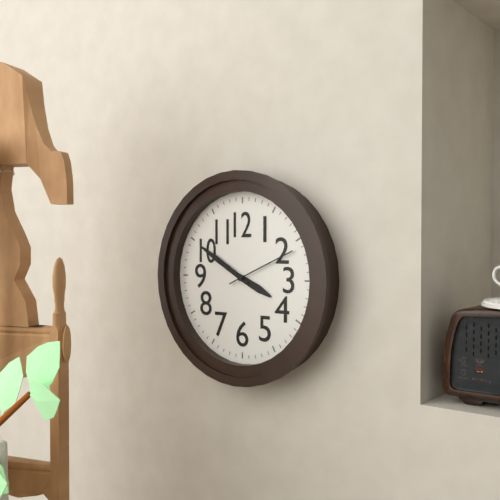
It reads {"hour": 3, "minute": 50, "second": 11}
